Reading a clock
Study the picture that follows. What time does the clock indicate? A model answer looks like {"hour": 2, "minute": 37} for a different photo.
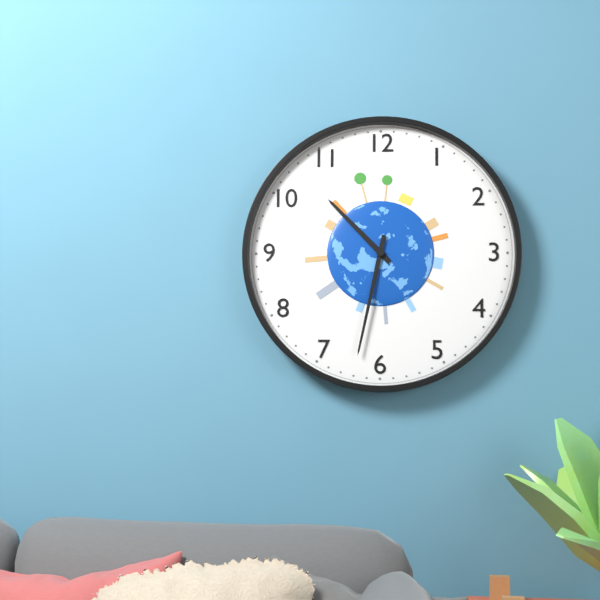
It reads {"hour": 10, "minute": 32}
